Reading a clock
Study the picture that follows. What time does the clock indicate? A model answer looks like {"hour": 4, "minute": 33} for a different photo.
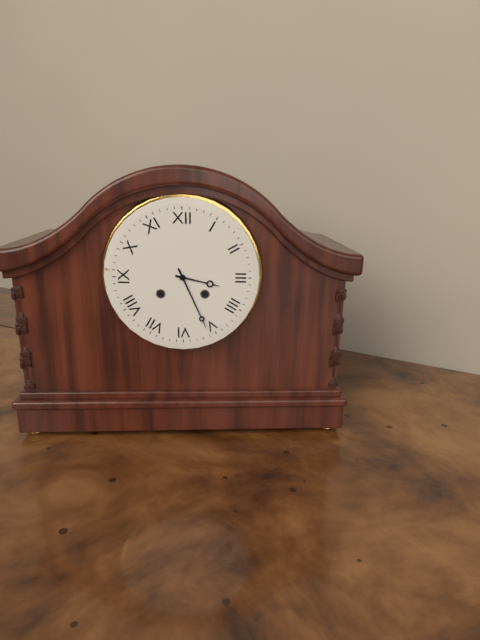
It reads {"hour": 3, "minute": 26}
